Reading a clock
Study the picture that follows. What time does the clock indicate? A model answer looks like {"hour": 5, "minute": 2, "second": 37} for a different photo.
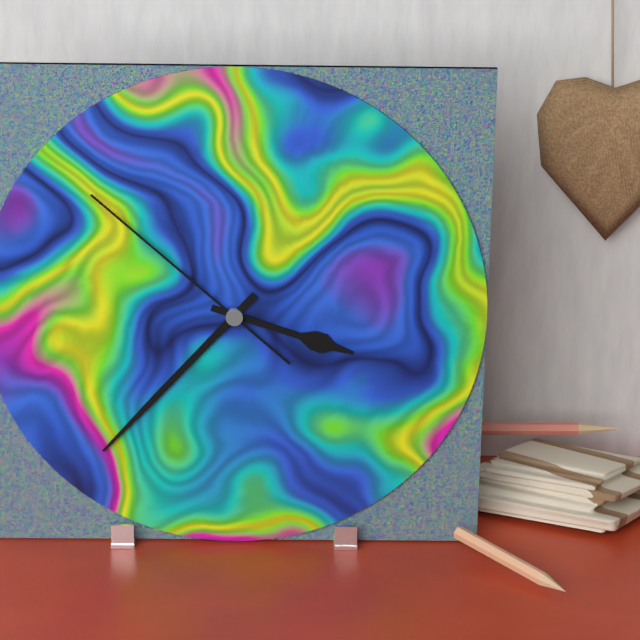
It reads {"hour": 3, "minute": 37, "second": 52}
